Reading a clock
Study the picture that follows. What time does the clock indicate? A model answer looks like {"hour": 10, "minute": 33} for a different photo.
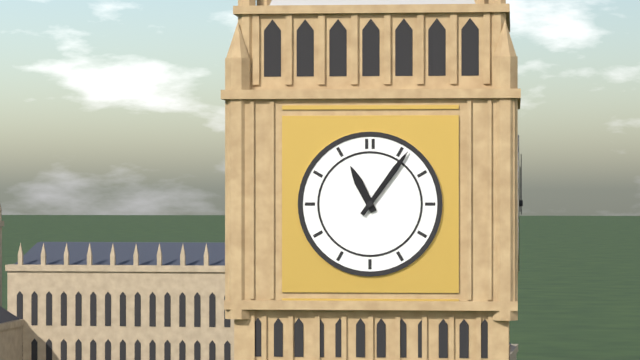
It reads {"hour": 11, "minute": 6}
